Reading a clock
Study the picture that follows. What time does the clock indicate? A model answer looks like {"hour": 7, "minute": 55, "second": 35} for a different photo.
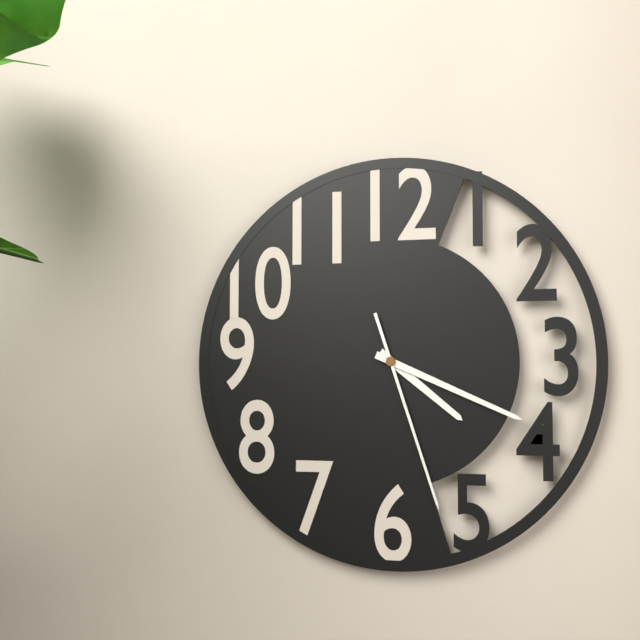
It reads {"hour": 4, "minute": 19, "second": 27}
